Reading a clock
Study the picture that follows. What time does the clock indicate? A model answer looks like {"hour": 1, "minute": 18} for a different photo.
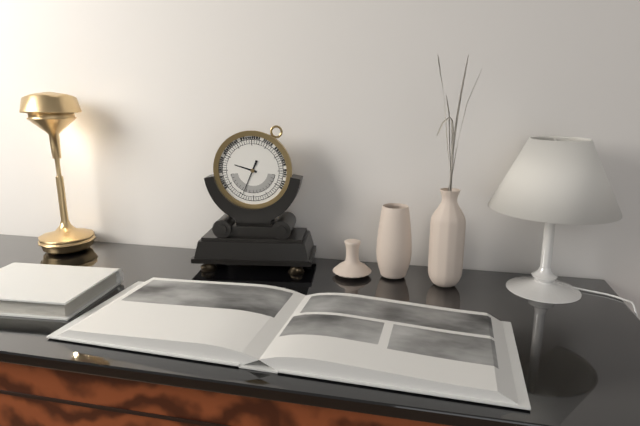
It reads {"hour": 9, "minute": 34}
